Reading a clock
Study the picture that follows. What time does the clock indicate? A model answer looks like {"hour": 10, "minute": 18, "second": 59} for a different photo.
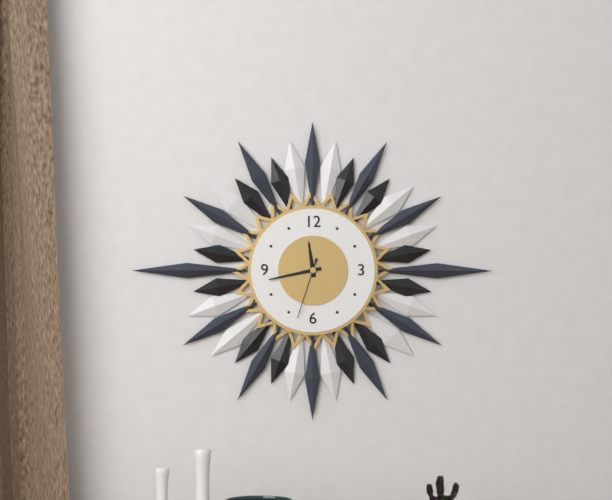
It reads {"hour": 11, "minute": 43, "second": 33}
